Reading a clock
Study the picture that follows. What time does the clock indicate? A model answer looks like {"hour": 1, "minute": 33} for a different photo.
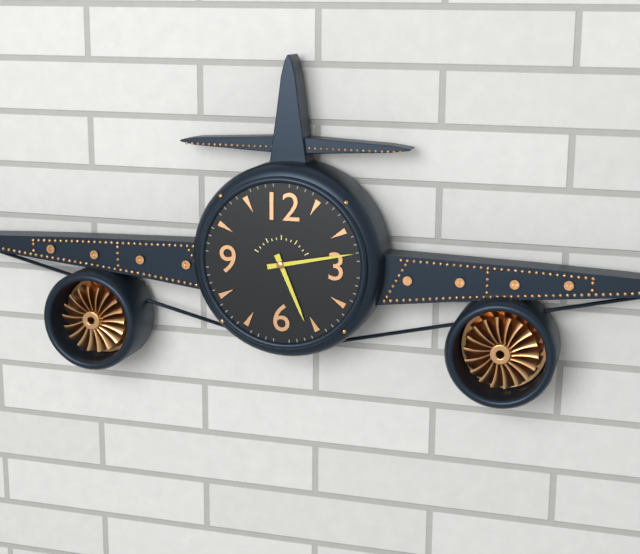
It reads {"hour": 5, "minute": 13}
